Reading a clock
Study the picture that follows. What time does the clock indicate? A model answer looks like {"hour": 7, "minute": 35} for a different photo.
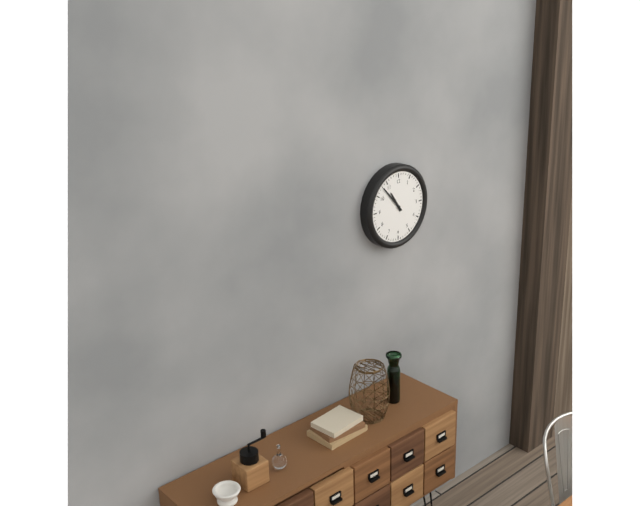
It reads {"hour": 10, "minute": 53}
